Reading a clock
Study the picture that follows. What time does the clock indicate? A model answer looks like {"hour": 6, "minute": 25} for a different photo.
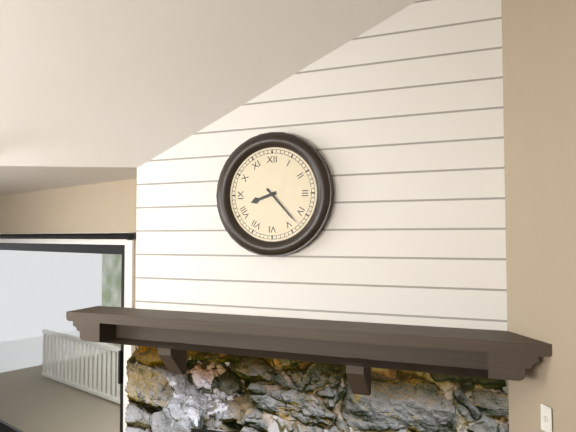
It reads {"hour": 8, "minute": 23}
